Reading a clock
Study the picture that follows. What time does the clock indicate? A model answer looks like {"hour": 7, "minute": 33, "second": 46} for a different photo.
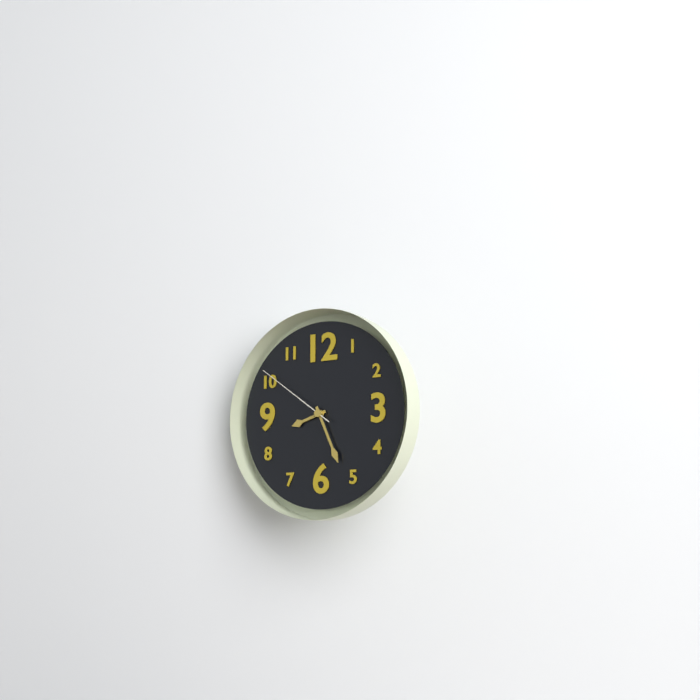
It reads {"hour": 8, "minute": 26, "second": 51}
